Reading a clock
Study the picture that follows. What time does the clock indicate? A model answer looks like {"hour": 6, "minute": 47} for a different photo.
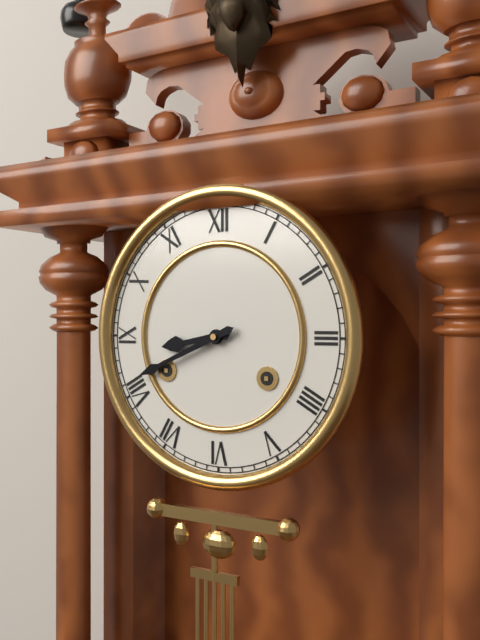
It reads {"hour": 8, "minute": 41}
